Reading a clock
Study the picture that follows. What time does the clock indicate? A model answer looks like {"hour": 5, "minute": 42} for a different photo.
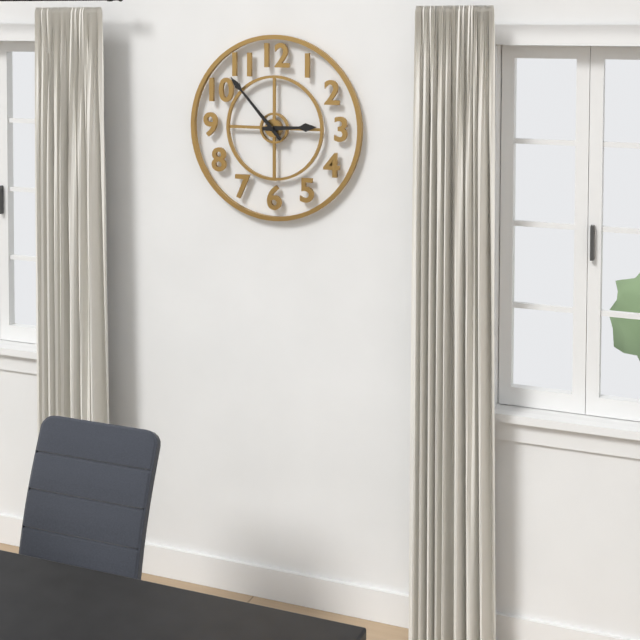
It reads {"hour": 2, "minute": 53}
